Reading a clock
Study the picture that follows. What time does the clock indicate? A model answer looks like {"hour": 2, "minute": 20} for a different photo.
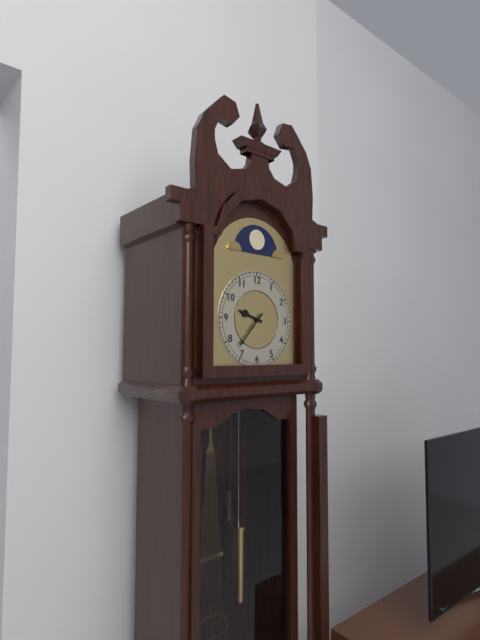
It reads {"hour": 9, "minute": 37}
